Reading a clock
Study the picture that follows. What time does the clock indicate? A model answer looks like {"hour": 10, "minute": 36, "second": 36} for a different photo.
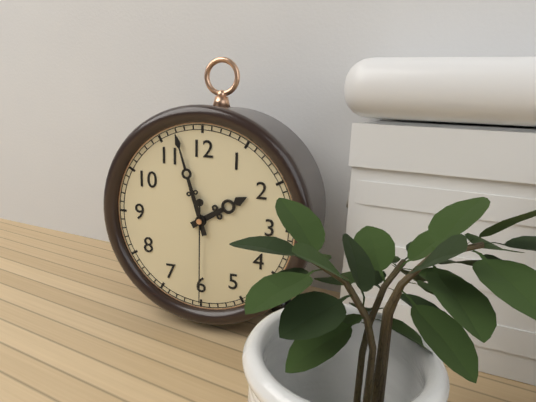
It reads {"hour": 1, "minute": 57, "second": 30}
